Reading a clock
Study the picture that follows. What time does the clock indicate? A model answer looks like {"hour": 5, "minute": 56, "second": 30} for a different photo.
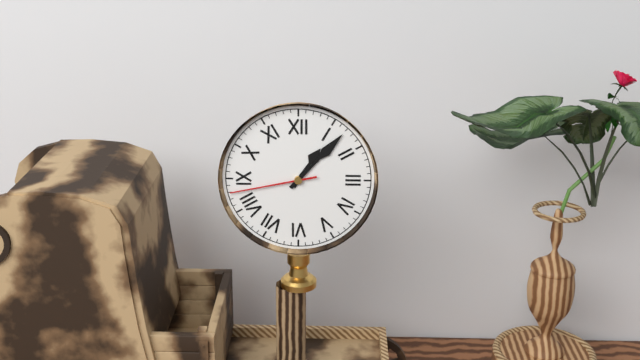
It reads {"hour": 1, "minute": 7, "second": 43}
